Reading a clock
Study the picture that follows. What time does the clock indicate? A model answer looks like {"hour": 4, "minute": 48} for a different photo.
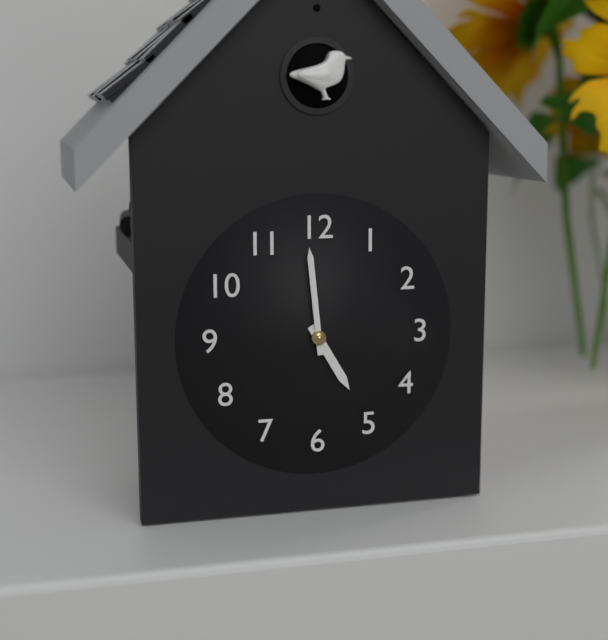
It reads {"hour": 4, "minute": 59}
